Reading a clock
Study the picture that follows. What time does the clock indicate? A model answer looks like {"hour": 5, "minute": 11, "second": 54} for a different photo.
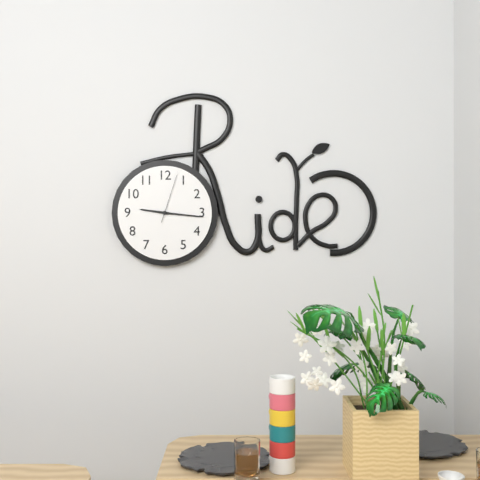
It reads {"hour": 9, "minute": 16, "second": 3}
